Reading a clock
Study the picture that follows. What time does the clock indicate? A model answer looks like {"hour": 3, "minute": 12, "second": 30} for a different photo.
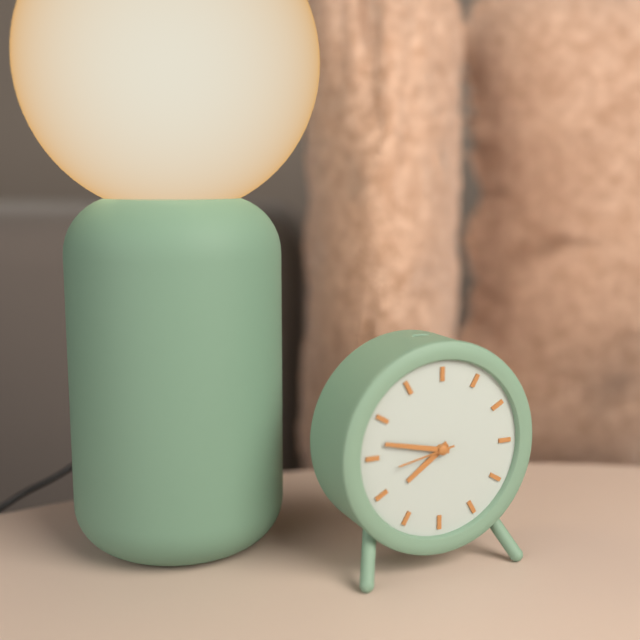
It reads {"hour": 7, "minute": 47, "second": 43}
